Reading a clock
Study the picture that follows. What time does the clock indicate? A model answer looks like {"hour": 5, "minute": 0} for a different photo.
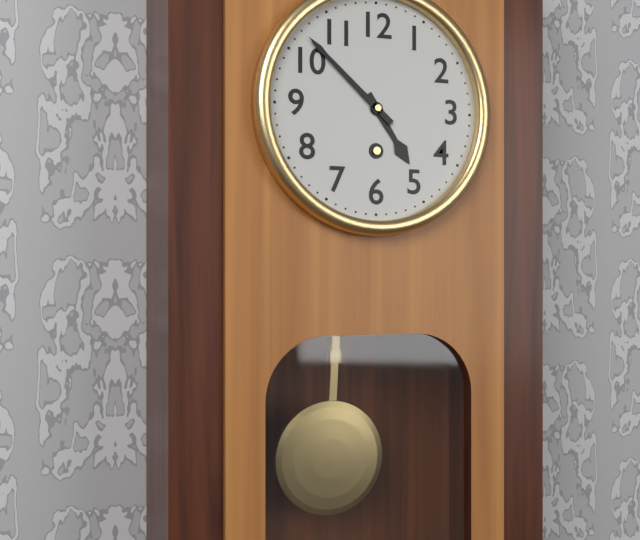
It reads {"hour": 4, "minute": 52}
